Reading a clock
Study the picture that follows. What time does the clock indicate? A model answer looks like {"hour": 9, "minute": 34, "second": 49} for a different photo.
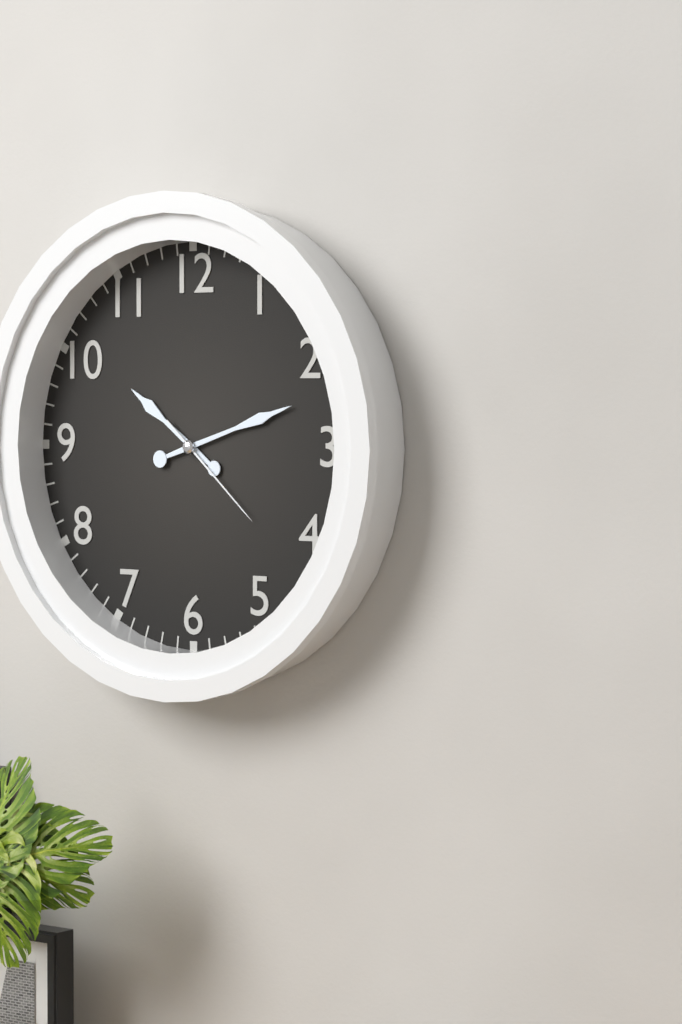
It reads {"hour": 10, "minute": 12, "second": 22}
